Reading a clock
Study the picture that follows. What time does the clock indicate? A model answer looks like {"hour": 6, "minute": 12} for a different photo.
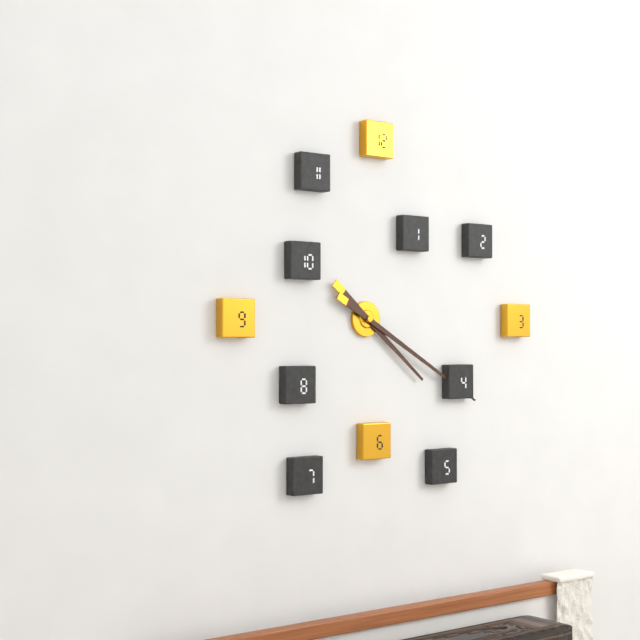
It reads {"hour": 4, "minute": 20}
